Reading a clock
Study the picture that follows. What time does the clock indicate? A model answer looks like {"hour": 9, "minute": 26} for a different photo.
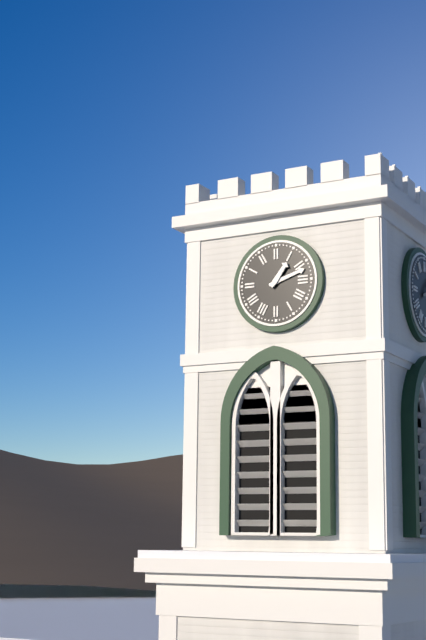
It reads {"hour": 1, "minute": 12}
